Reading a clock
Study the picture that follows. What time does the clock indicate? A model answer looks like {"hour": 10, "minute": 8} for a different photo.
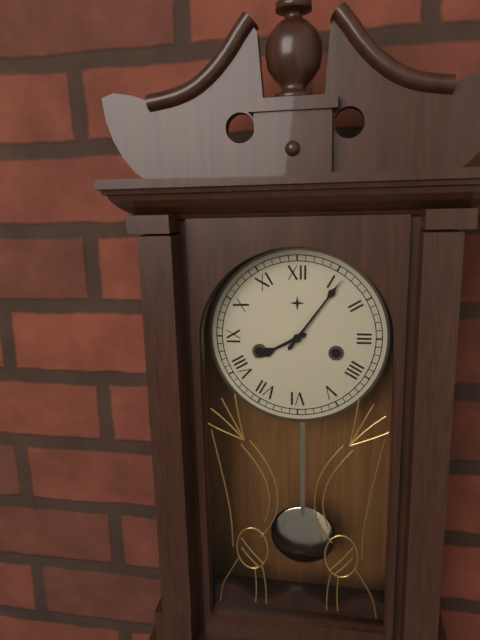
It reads {"hour": 8, "minute": 6}
